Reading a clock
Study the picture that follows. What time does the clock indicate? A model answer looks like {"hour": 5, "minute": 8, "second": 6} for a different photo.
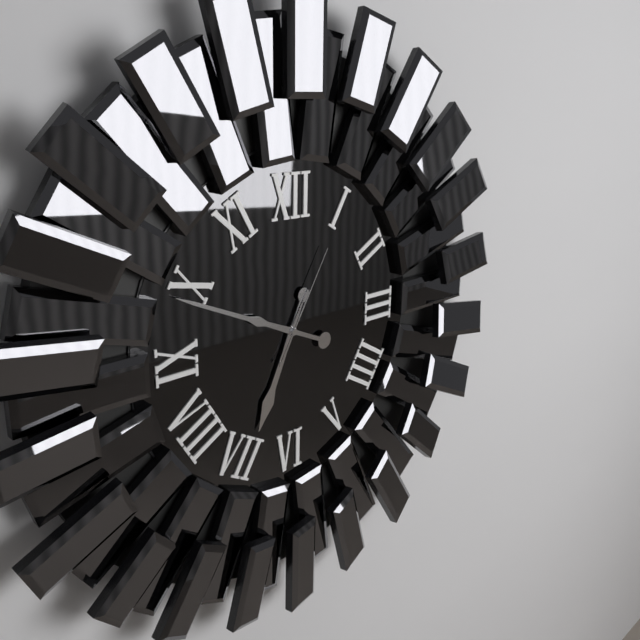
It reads {"hour": 6, "minute": 49, "second": 5}
